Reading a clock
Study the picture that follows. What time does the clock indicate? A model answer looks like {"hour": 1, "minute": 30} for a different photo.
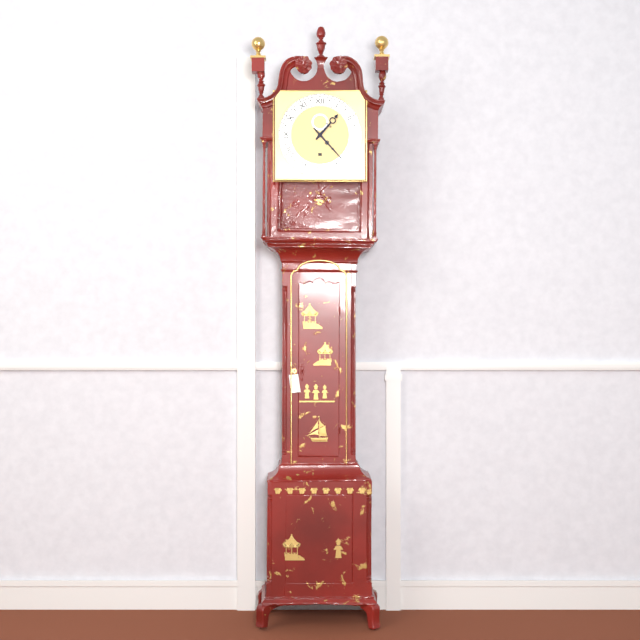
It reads {"hour": 1, "minute": 23}
